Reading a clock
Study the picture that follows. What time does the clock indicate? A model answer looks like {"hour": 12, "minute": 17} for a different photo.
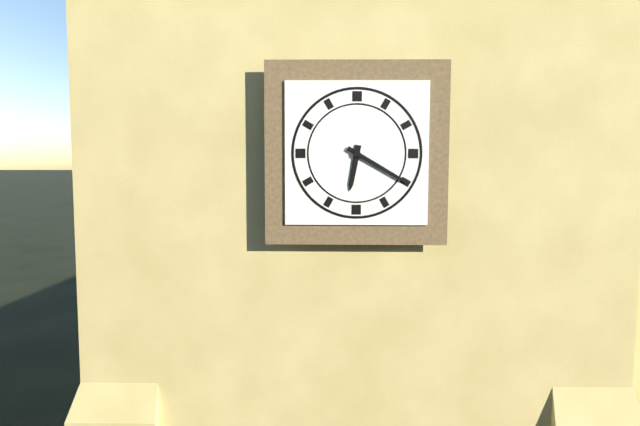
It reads {"hour": 6, "minute": 20}
